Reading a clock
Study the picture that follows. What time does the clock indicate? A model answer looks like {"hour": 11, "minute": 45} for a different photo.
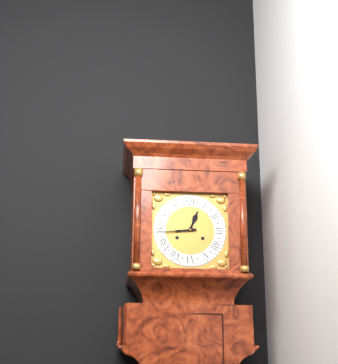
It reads {"hour": 12, "minute": 44}
